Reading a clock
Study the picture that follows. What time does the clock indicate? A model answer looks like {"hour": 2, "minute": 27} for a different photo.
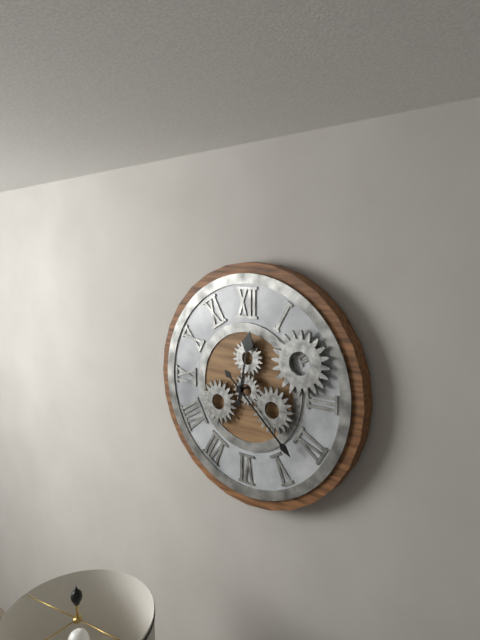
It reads {"hour": 12, "minute": 22}
